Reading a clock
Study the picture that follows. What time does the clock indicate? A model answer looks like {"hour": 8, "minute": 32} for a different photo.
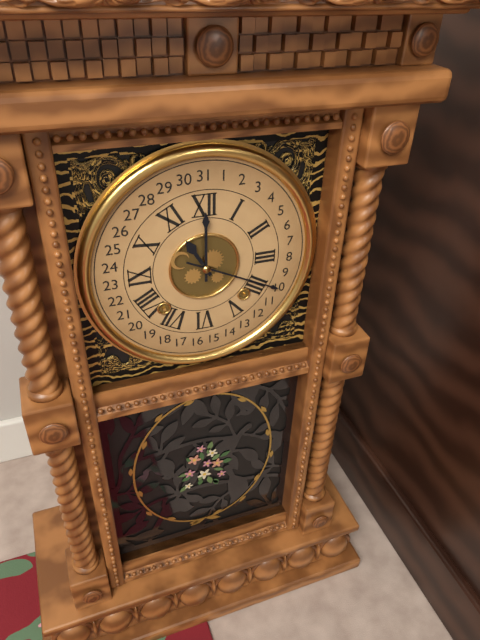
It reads {"hour": 11, "minute": 0}
